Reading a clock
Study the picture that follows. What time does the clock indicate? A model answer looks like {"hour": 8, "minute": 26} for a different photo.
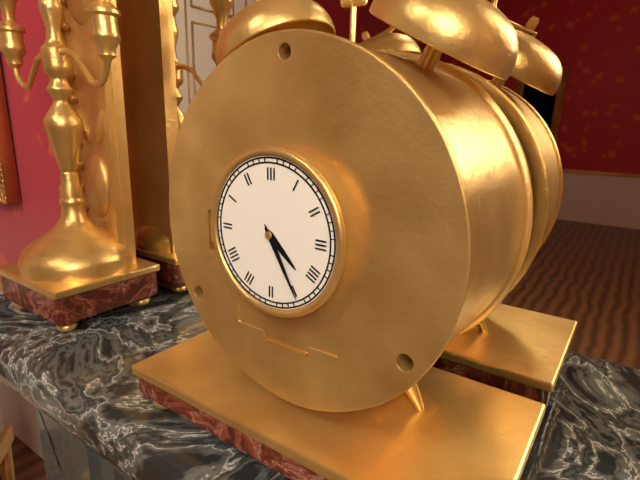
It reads {"hour": 4, "minute": 25}
